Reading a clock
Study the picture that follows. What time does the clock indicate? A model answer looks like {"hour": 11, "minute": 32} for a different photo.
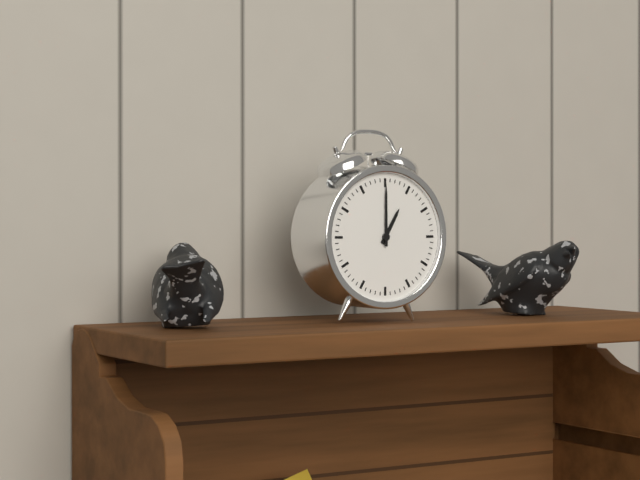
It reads {"hour": 1, "minute": 0}
